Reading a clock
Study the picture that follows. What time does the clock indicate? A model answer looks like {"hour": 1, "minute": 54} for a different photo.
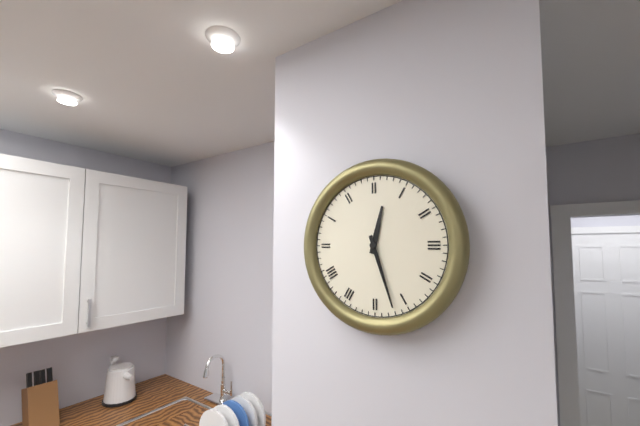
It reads {"hour": 12, "minute": 27}
